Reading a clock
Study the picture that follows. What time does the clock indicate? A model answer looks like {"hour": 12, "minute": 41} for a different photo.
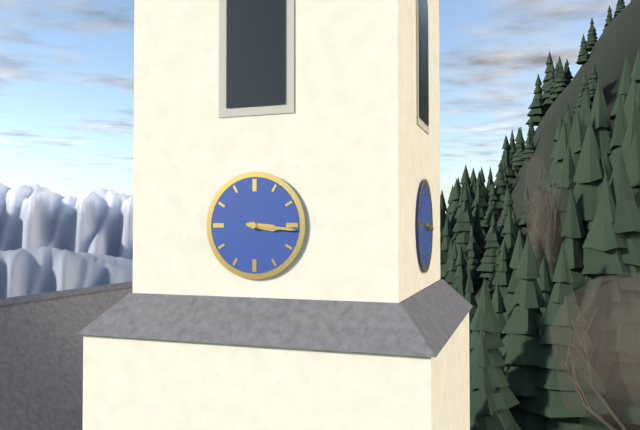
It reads {"hour": 3, "minute": 16}
